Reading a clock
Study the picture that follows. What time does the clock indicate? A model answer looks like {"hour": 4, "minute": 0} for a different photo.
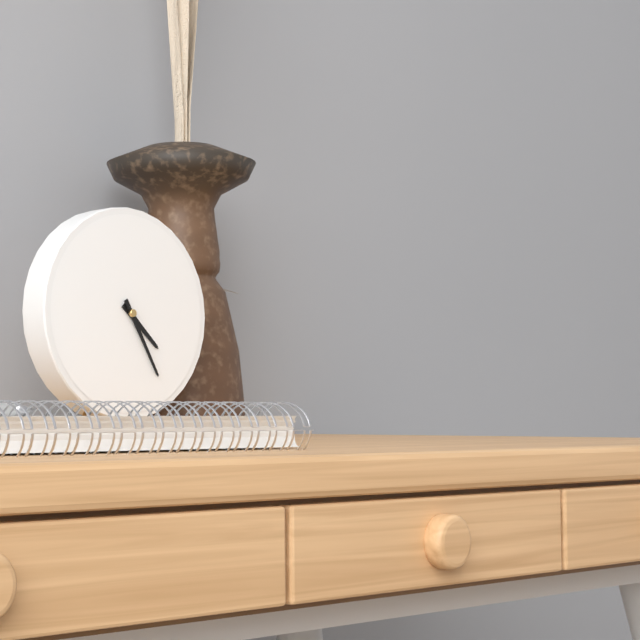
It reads {"hour": 4, "minute": 25}
